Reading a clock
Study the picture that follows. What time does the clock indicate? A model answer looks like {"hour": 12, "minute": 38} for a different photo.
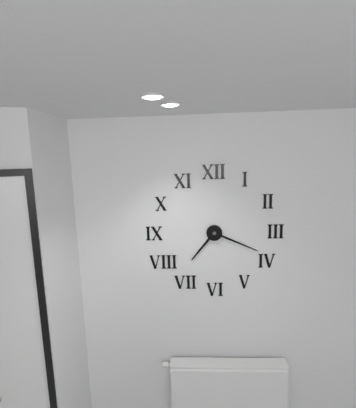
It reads {"hour": 7, "minute": 19}
